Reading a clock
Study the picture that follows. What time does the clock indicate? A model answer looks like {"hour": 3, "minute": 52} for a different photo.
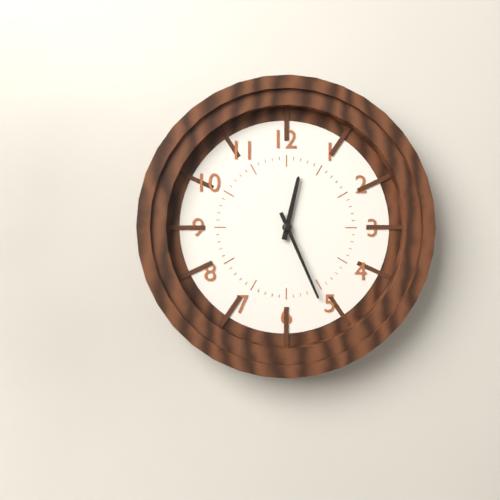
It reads {"hour": 12, "minute": 26}
